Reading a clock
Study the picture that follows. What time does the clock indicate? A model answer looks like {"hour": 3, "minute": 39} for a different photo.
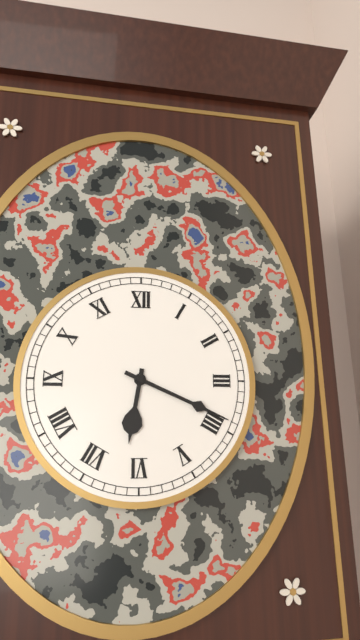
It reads {"hour": 6, "minute": 19}
